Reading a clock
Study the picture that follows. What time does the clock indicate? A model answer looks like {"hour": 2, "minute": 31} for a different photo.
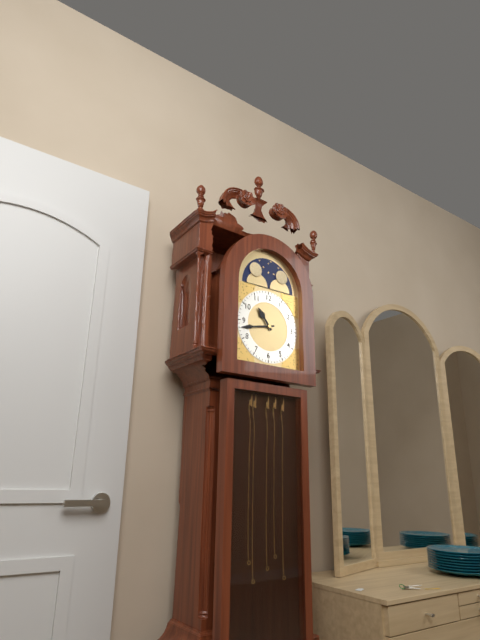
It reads {"hour": 10, "minute": 43}
